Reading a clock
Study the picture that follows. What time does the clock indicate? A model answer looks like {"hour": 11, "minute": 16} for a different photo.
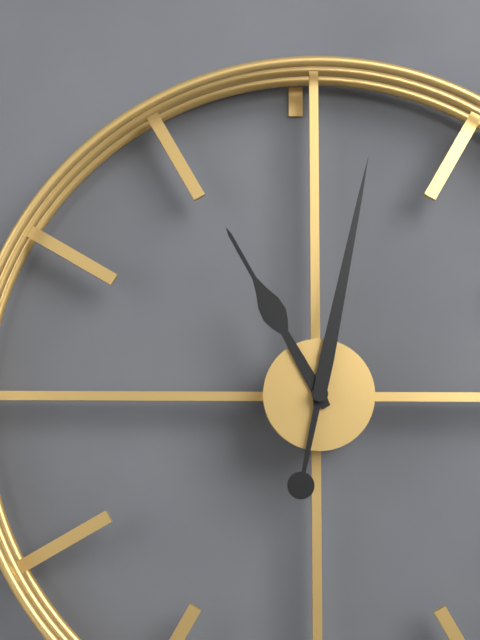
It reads {"hour": 11, "minute": 2}
